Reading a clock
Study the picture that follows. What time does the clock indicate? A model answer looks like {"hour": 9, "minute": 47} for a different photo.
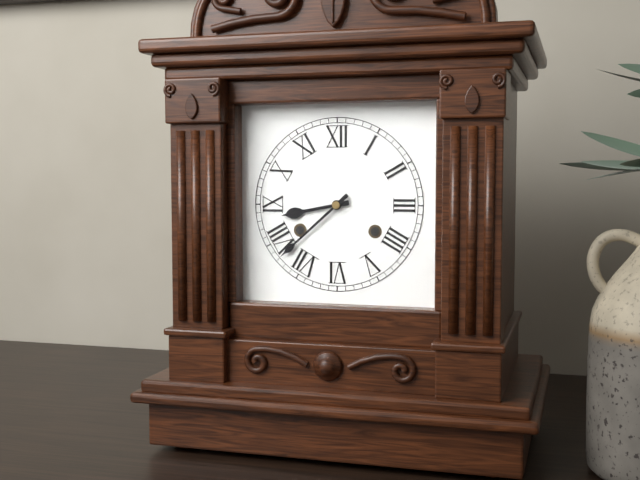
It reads {"hour": 8, "minute": 38}
